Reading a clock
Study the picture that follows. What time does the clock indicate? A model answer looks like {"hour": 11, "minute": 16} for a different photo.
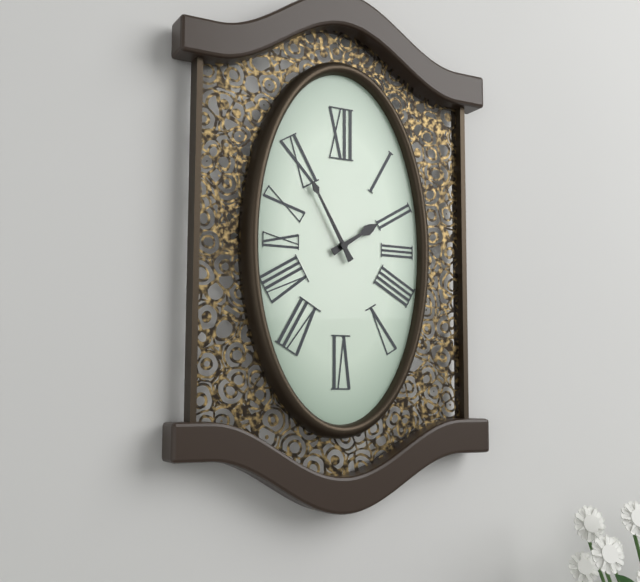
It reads {"hour": 1, "minute": 55}
